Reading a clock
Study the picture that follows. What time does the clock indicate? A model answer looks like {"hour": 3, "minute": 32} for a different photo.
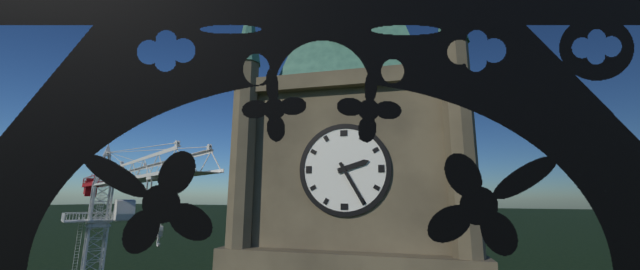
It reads {"hour": 2, "minute": 25}
